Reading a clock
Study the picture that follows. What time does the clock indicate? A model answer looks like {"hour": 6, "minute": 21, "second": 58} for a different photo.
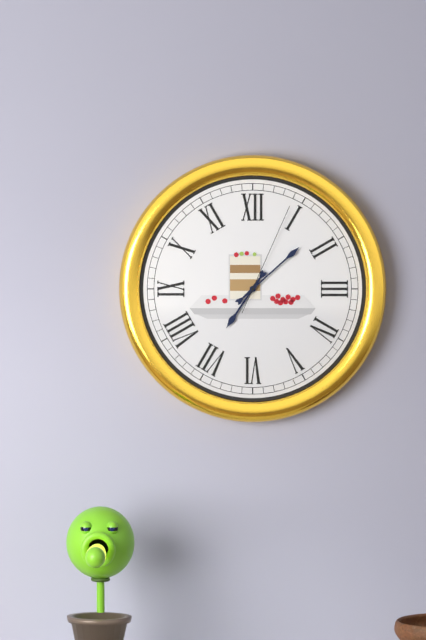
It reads {"hour": 7, "minute": 8, "second": 4}
